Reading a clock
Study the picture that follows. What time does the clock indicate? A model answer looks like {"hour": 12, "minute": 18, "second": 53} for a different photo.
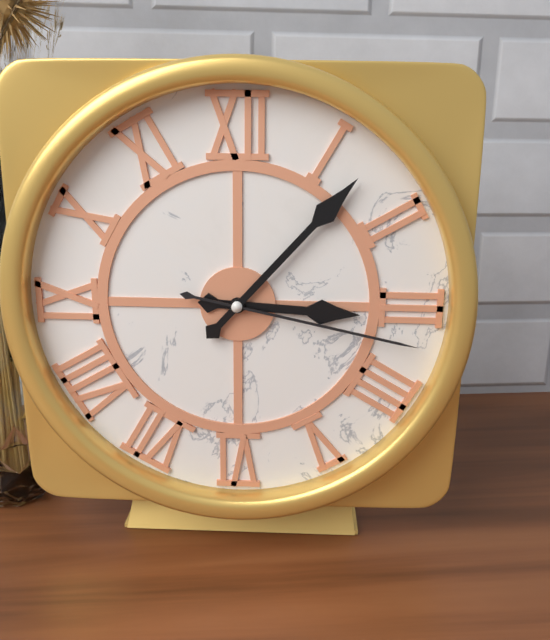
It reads {"hour": 3, "minute": 7, "second": 17}
